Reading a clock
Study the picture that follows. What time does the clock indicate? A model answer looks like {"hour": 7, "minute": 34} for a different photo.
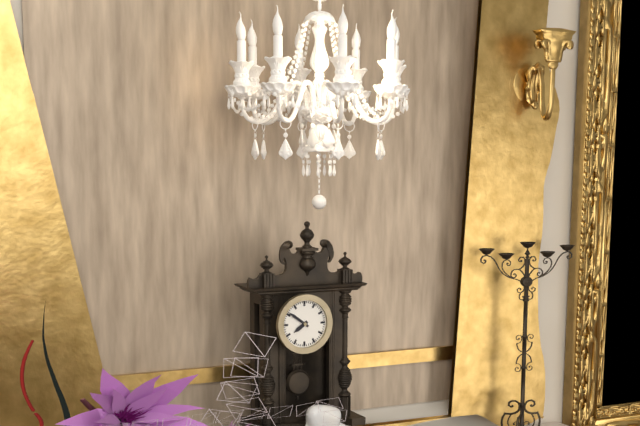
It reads {"hour": 7, "minute": 51}
